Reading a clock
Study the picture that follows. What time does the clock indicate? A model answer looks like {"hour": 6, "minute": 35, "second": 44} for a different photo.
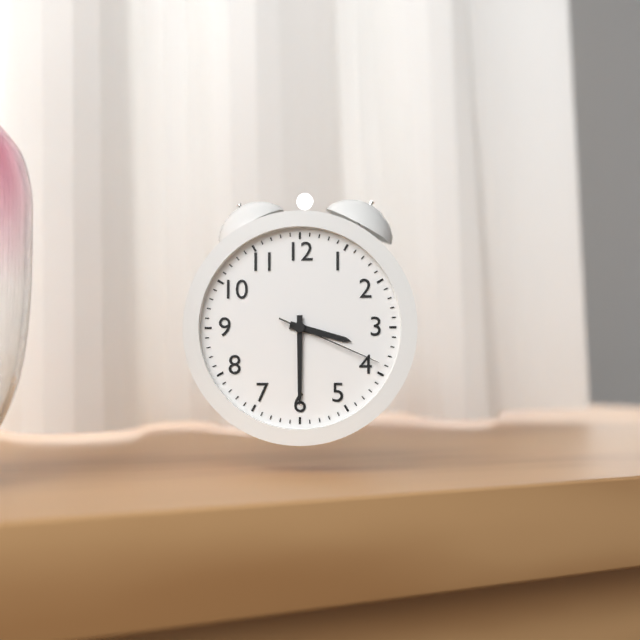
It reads {"hour": 3, "minute": 30, "second": 19}
